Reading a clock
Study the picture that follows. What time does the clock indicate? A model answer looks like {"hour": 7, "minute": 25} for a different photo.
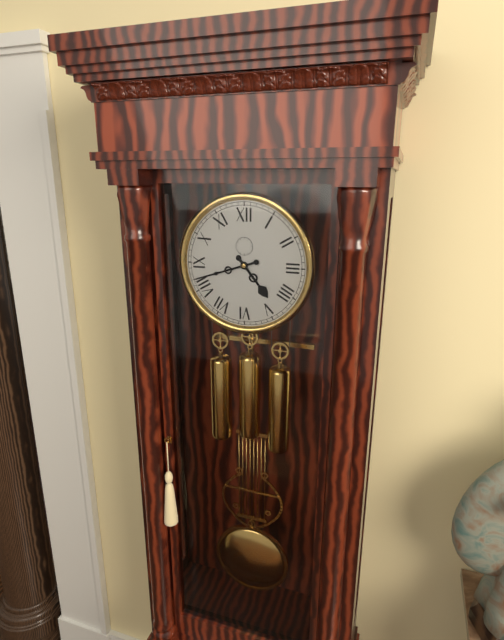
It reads {"hour": 4, "minute": 42}
